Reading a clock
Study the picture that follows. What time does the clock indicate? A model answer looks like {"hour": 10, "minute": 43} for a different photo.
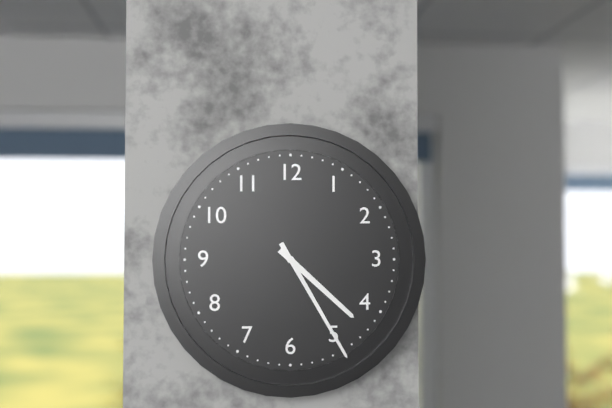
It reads {"hour": 4, "minute": 25}
